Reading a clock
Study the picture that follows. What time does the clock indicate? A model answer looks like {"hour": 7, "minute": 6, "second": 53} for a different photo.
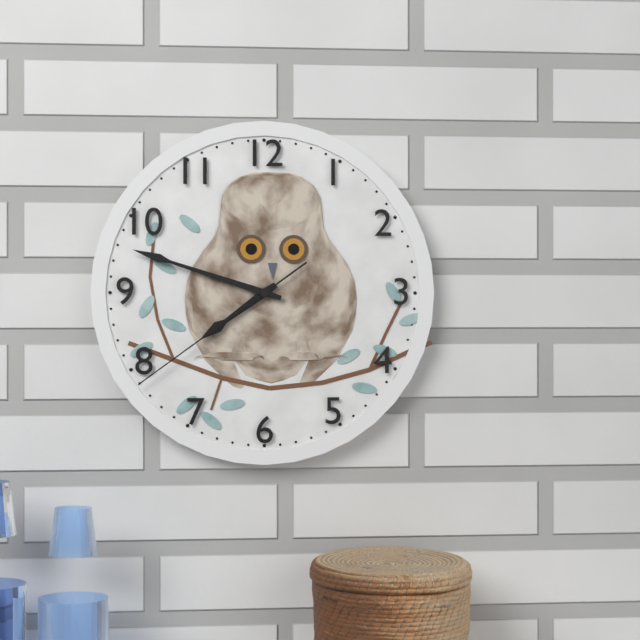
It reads {"hour": 7, "minute": 48, "second": 39}
